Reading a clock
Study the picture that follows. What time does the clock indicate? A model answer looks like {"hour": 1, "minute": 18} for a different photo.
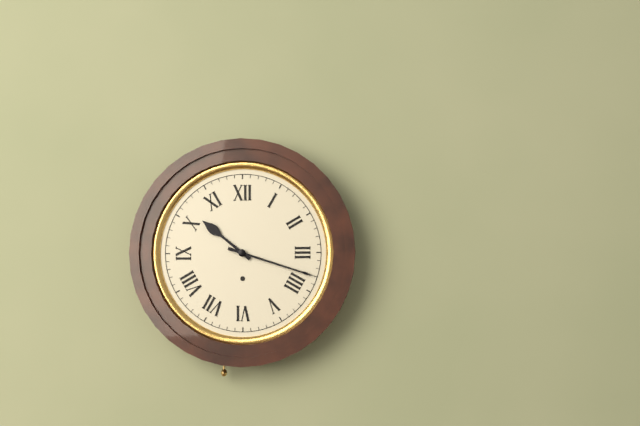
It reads {"hour": 10, "minute": 18}
